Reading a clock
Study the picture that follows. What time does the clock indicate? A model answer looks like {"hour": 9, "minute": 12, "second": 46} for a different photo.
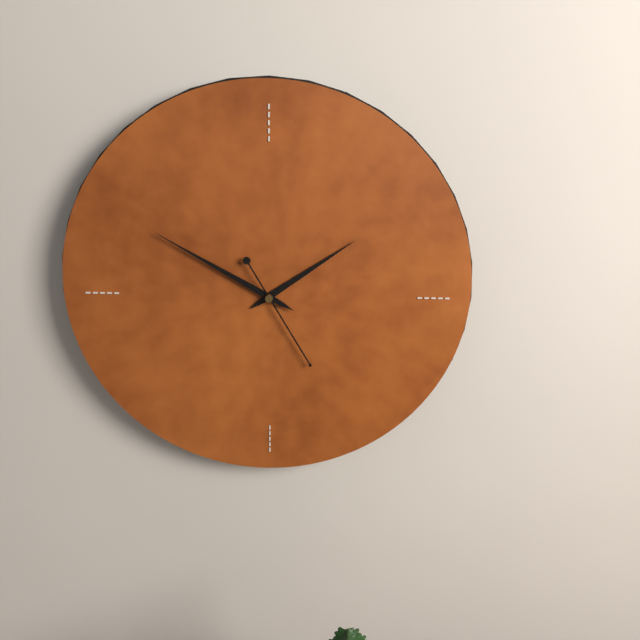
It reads {"hour": 1, "minute": 50, "second": 25}
